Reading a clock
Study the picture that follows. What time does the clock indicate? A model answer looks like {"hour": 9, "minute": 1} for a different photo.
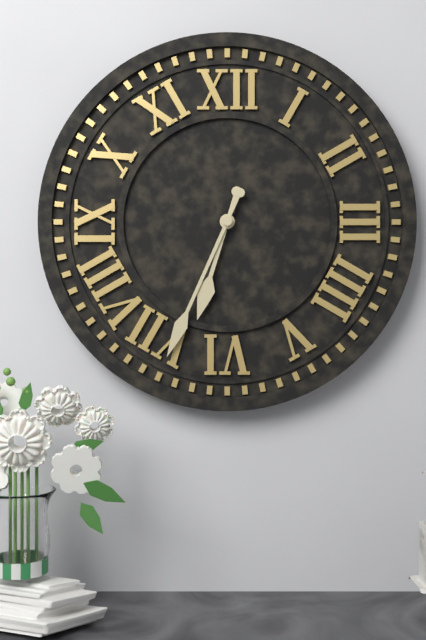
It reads {"hour": 6, "minute": 34}
